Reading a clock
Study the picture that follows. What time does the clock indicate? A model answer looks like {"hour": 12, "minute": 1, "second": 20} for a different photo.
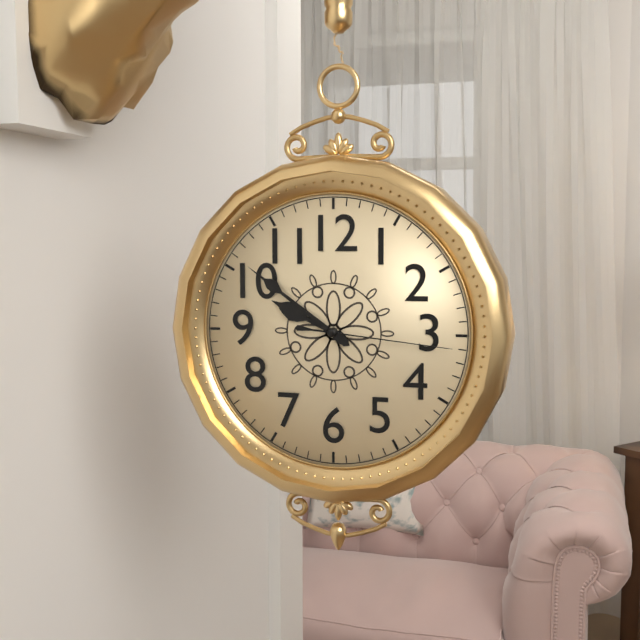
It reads {"hour": 9, "minute": 51, "second": 16}
